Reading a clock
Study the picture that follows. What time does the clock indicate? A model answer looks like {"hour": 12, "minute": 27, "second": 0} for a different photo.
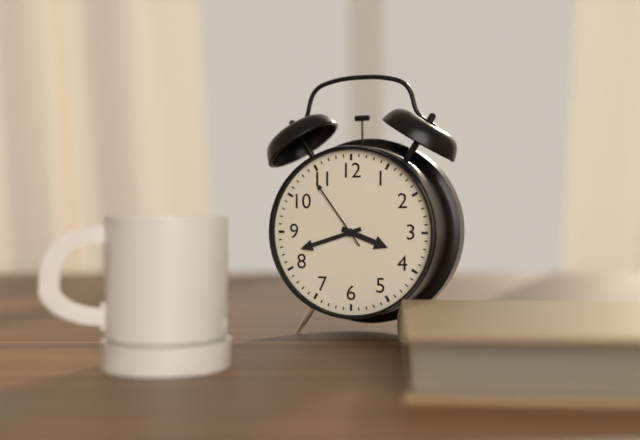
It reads {"hour": 3, "minute": 42, "second": 54}
